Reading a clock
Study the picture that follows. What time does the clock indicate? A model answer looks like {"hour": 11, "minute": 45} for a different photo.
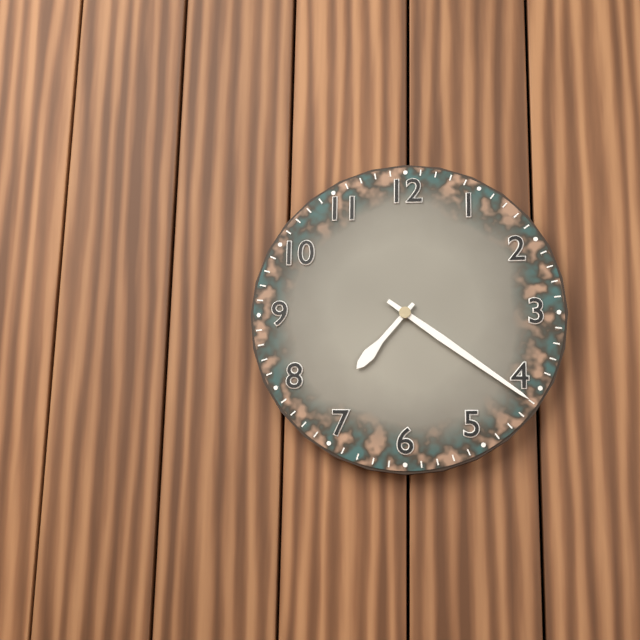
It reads {"hour": 7, "minute": 21}
